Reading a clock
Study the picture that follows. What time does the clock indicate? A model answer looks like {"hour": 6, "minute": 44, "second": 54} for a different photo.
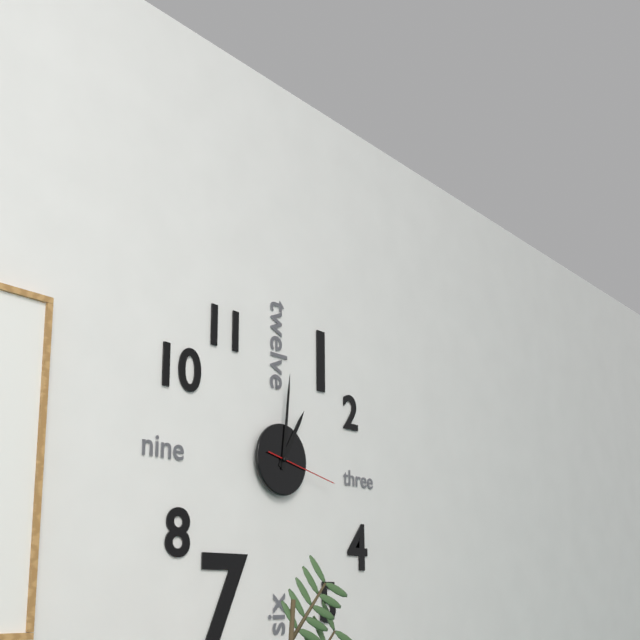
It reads {"hour": 1, "minute": 1, "second": 17}
